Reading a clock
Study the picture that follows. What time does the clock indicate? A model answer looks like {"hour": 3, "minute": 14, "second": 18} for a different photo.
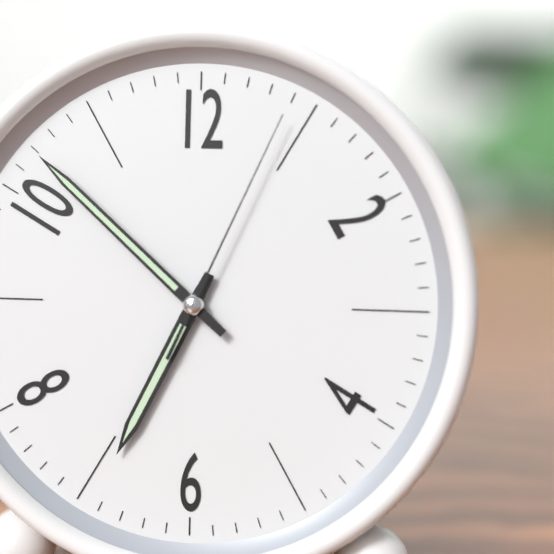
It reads {"hour": 6, "minute": 52, "second": 4}
